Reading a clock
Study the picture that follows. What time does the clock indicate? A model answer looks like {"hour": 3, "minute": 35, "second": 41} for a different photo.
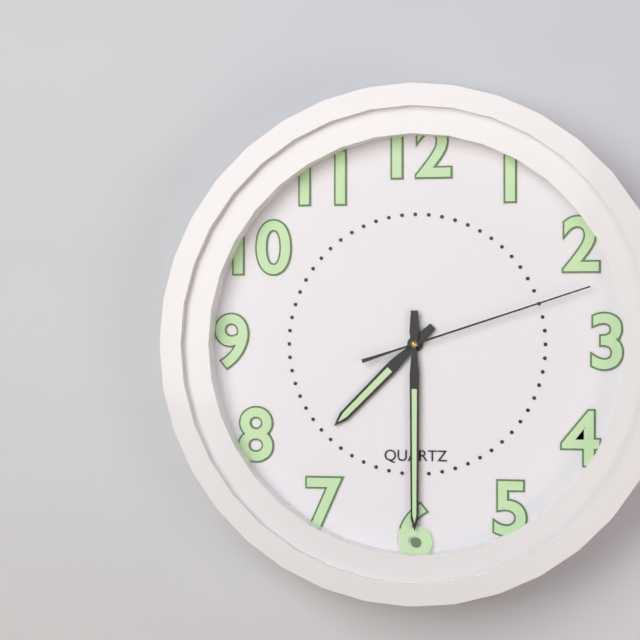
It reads {"hour": 7, "minute": 30, "second": 12}
